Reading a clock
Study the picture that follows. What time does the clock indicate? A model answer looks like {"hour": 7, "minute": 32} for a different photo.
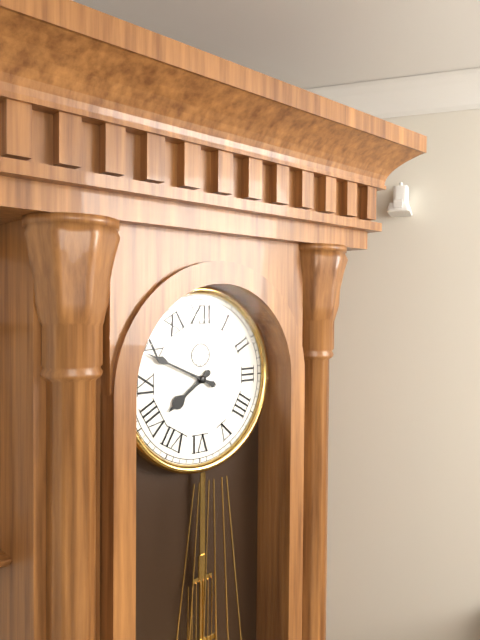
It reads {"hour": 7, "minute": 49}
